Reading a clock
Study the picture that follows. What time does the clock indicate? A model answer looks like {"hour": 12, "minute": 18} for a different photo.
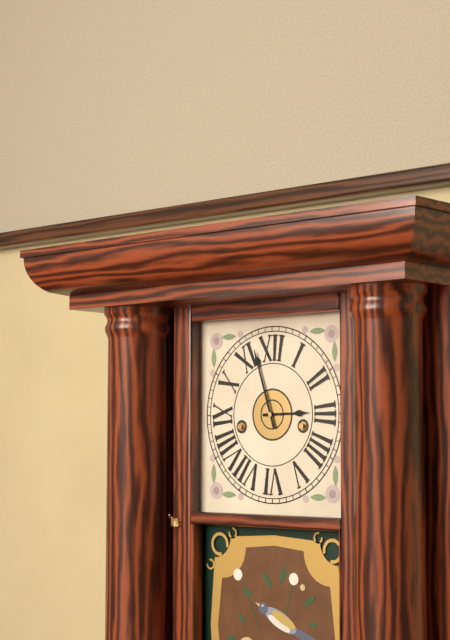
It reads {"hour": 2, "minute": 57}
